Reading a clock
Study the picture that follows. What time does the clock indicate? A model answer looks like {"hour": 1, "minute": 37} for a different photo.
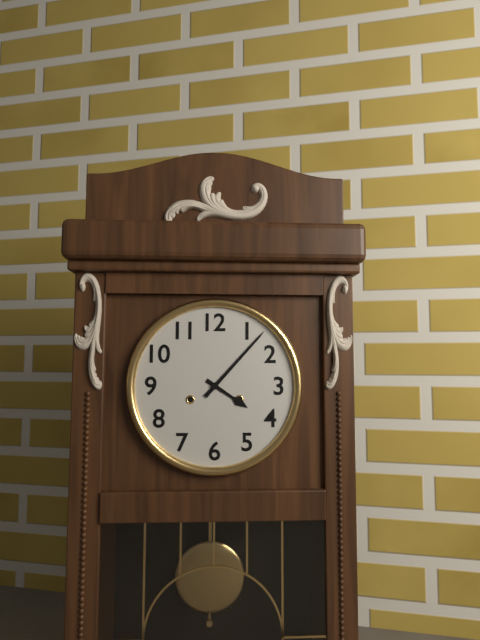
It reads {"hour": 4, "minute": 7}
